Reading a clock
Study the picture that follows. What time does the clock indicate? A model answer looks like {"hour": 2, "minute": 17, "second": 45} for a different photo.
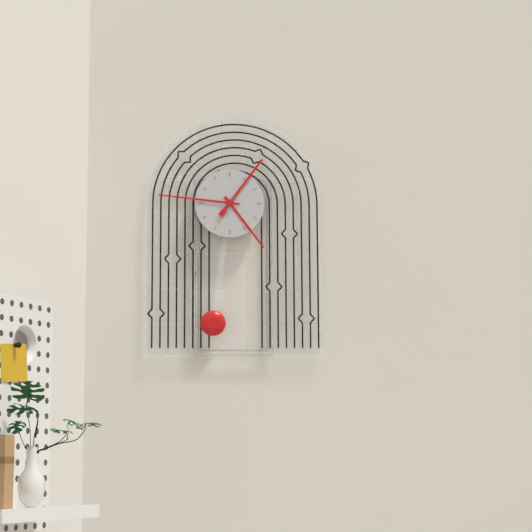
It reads {"hour": 4, "minute": 46, "second": 6}
